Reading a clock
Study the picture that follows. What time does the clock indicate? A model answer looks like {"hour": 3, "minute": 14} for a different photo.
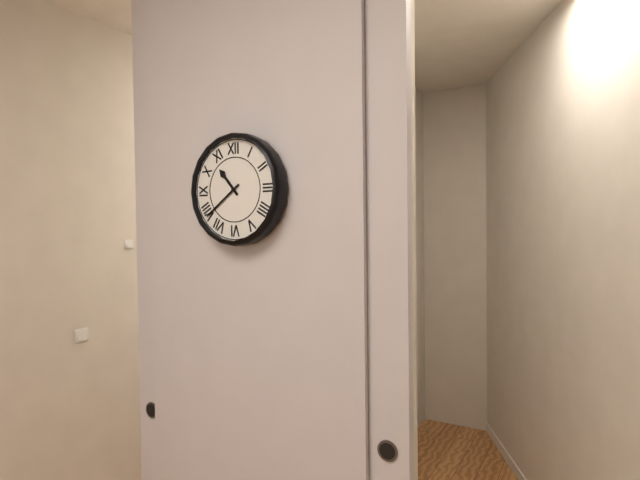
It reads {"hour": 10, "minute": 39}
